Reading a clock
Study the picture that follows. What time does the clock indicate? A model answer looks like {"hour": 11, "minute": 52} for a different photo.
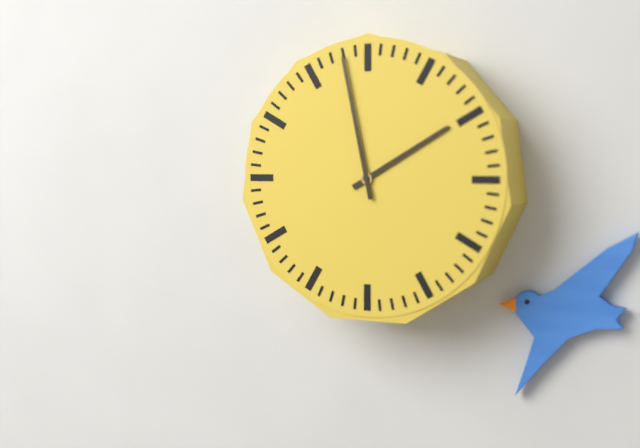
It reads {"hour": 1, "minute": 58}
